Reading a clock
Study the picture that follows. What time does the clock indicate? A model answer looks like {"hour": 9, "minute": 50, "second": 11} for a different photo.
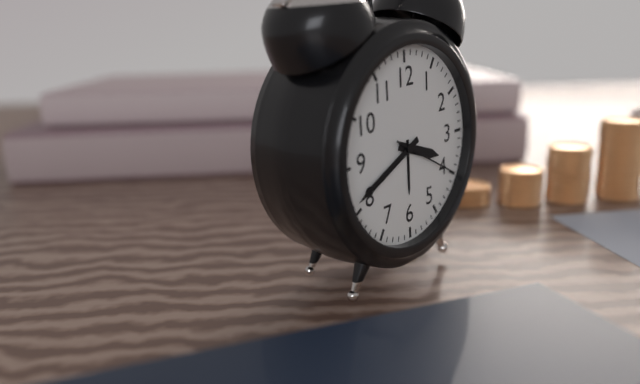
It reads {"hour": 3, "minute": 41, "second": 20}
